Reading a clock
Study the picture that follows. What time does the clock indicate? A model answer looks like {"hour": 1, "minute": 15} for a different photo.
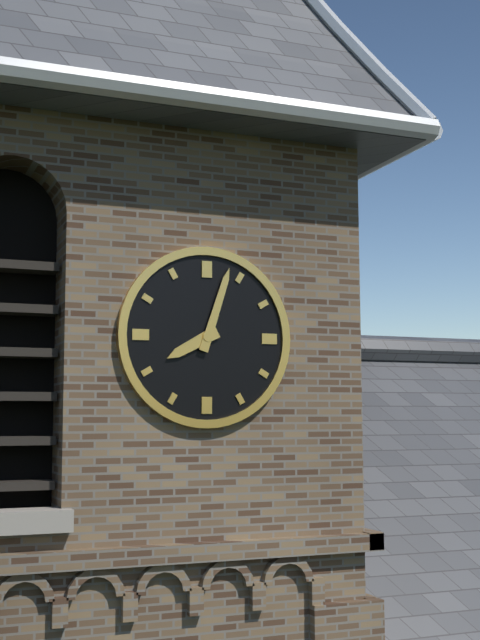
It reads {"hour": 8, "minute": 3}
